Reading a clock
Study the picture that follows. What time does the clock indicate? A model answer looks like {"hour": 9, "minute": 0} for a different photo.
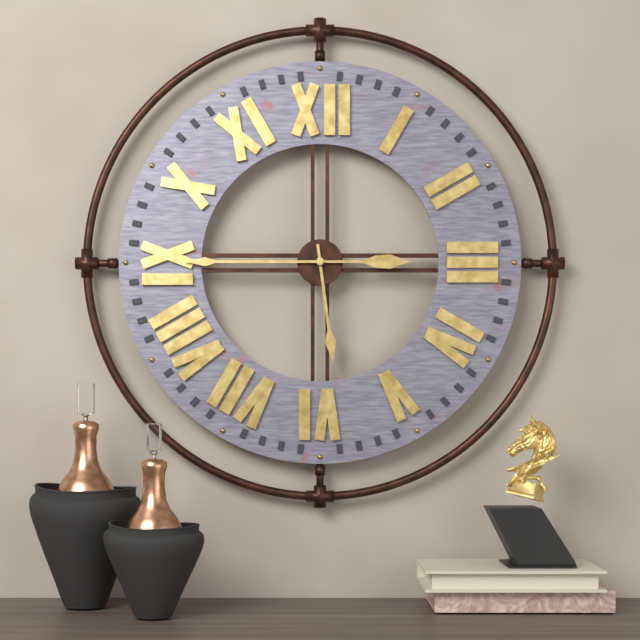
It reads {"hour": 5, "minute": 45}
